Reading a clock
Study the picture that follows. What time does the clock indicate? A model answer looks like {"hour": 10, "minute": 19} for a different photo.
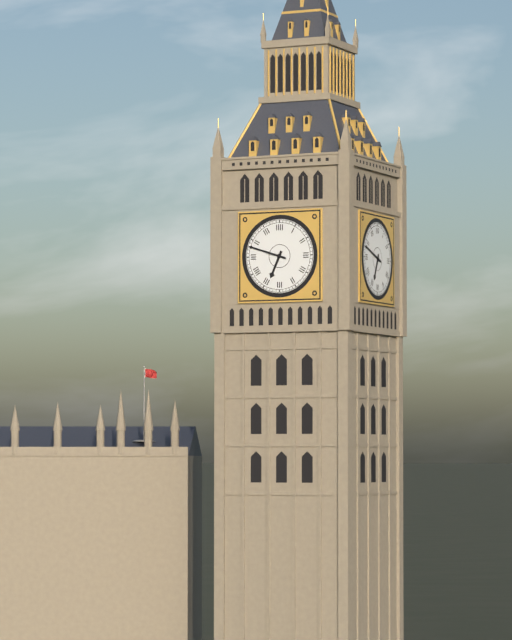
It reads {"hour": 6, "minute": 48}
